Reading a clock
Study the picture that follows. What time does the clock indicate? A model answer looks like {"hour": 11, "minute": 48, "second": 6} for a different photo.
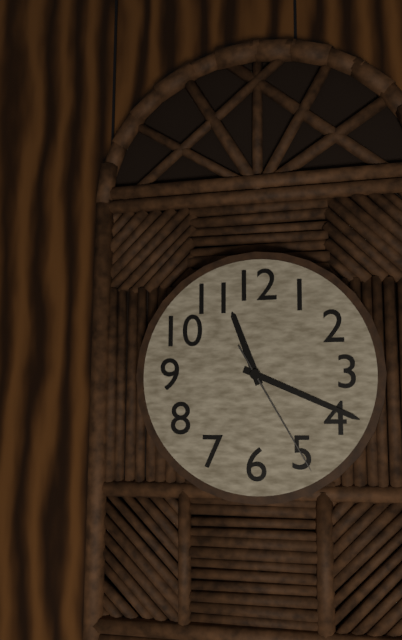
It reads {"hour": 11, "minute": 19, "second": 25}
